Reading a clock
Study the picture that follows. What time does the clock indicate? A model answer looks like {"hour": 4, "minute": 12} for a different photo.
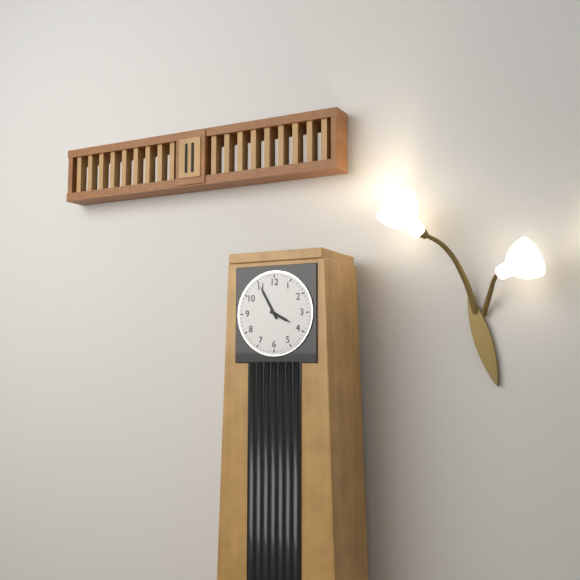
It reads {"hour": 3, "minute": 55}
